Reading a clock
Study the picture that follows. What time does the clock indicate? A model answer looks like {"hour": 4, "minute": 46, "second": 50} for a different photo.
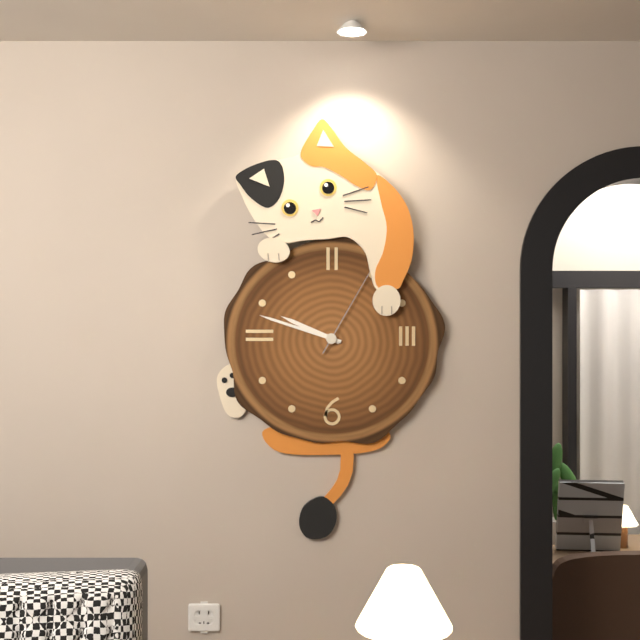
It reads {"hour": 9, "minute": 48, "second": 5}
